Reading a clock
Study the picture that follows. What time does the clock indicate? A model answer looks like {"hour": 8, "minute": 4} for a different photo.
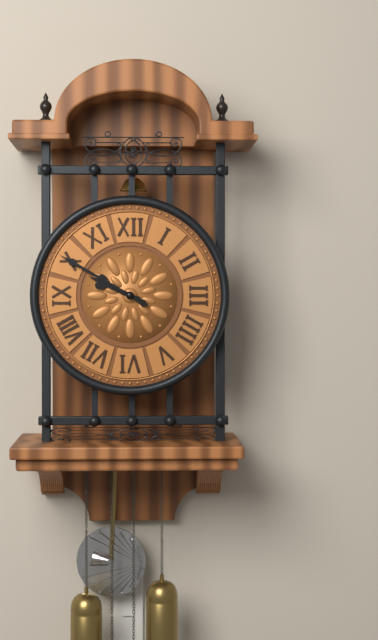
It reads {"hour": 9, "minute": 50}
